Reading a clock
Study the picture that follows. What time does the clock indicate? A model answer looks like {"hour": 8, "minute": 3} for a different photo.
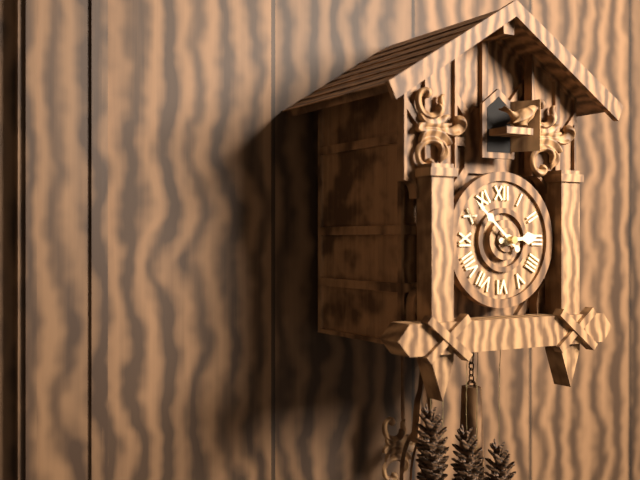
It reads {"hour": 2, "minute": 52}
